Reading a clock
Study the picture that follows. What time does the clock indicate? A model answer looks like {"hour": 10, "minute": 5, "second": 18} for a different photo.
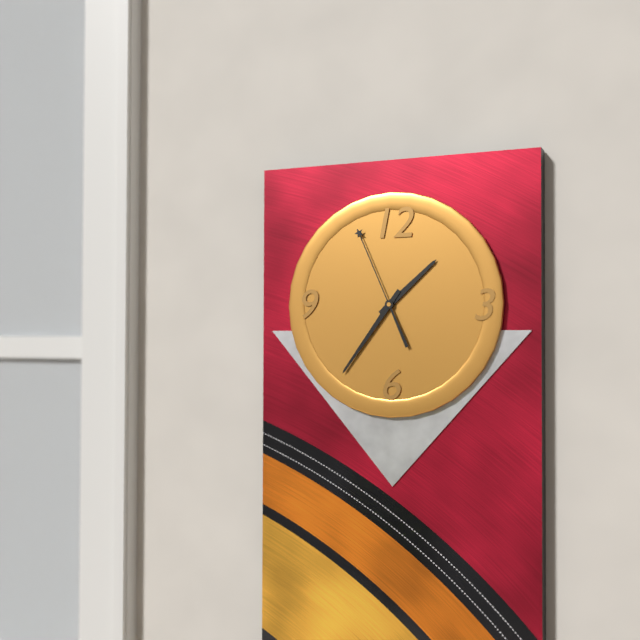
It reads {"hour": 1, "minute": 36, "second": 56}
